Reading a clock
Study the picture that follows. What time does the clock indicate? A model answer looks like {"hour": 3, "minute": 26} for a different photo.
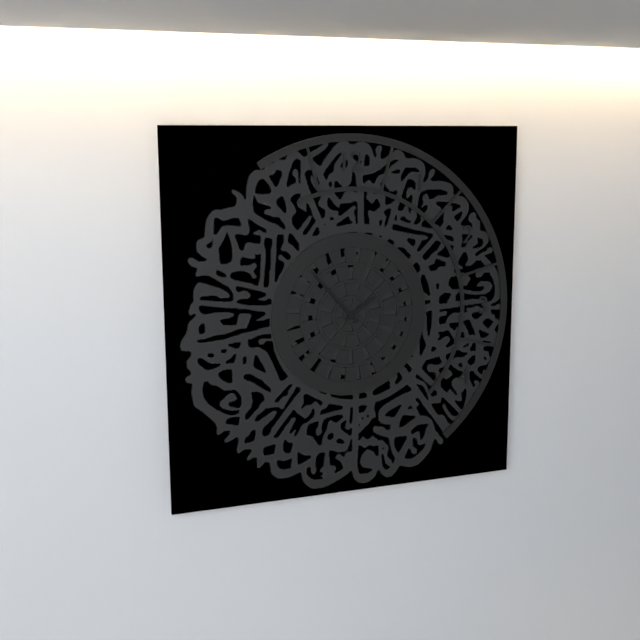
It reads {"hour": 1, "minute": 53}
